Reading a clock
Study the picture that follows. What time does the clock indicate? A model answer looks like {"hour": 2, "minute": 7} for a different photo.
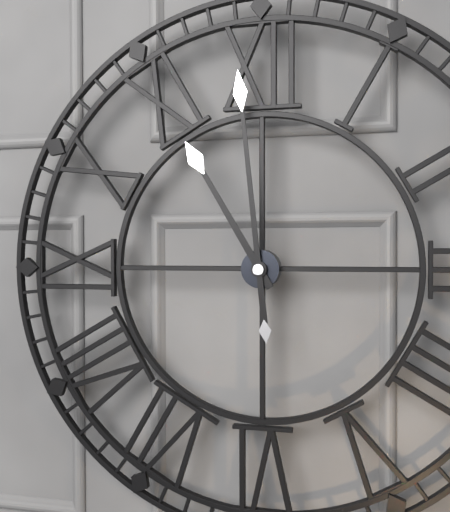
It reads {"hour": 10, "minute": 59}
